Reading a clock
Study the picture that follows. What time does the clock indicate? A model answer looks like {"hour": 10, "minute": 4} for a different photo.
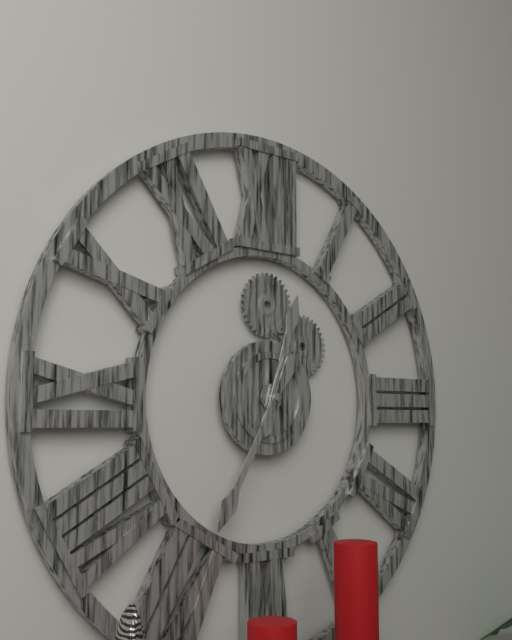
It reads {"hour": 12, "minute": 35}
